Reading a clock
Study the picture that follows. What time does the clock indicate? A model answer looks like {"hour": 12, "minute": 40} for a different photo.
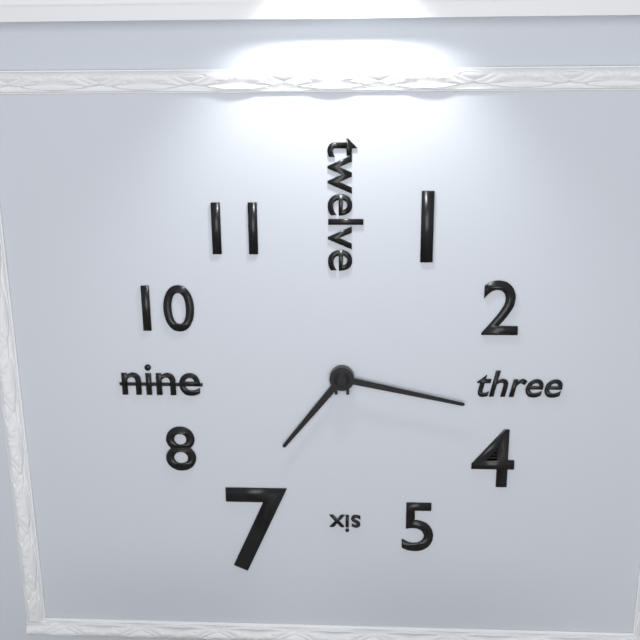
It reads {"hour": 7, "minute": 17}
